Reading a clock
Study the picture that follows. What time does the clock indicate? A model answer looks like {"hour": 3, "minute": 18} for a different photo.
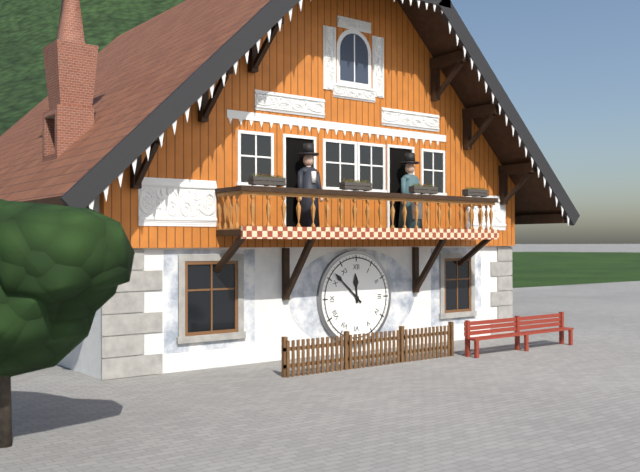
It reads {"hour": 11, "minute": 52}
